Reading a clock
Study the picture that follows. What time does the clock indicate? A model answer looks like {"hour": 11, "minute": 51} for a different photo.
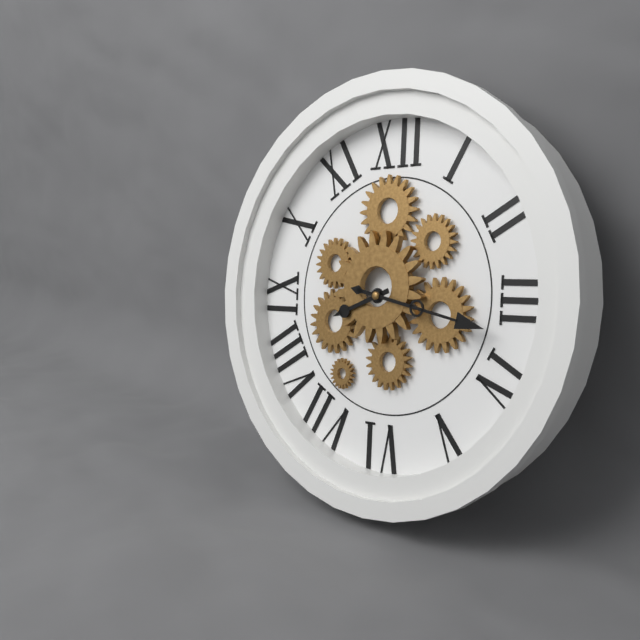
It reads {"hour": 8, "minute": 17}
